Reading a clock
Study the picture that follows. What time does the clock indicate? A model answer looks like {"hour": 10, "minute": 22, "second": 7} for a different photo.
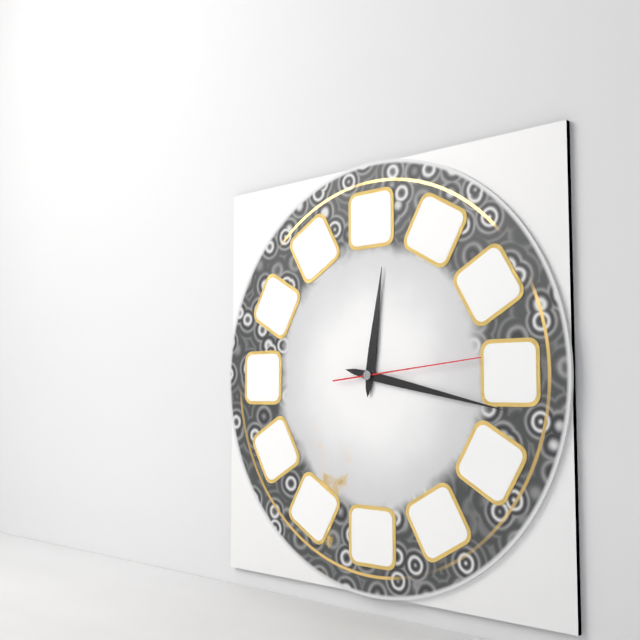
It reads {"hour": 12, "minute": 17, "second": 14}
